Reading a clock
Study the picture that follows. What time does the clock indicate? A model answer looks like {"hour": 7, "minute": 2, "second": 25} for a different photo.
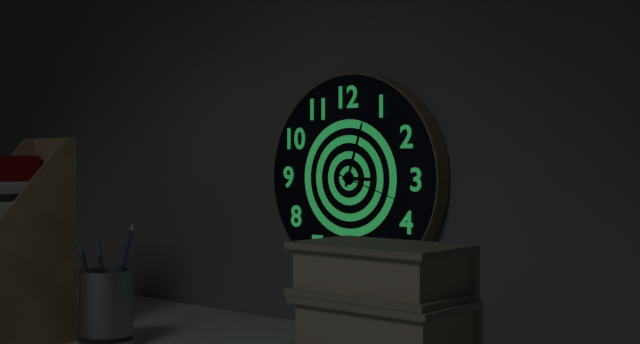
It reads {"hour": 3, "minute": 3, "second": 18}
